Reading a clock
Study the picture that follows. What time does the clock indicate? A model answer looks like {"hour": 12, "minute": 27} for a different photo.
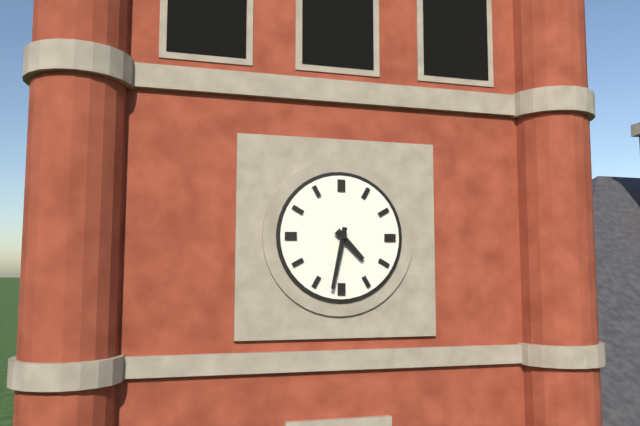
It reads {"hour": 4, "minute": 32}
